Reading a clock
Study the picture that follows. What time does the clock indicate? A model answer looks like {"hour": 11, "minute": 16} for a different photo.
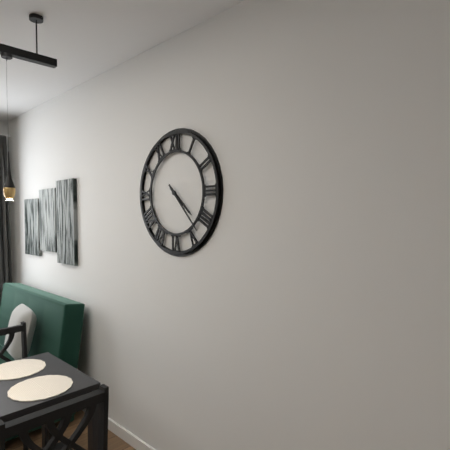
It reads {"hour": 4, "minute": 23}
